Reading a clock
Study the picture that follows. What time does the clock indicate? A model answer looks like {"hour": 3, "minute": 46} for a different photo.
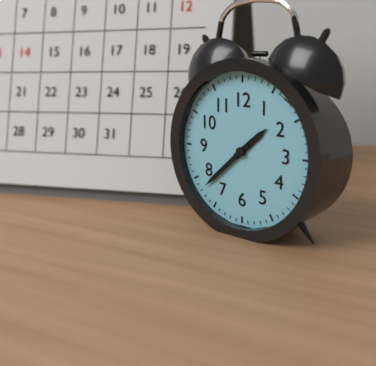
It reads {"hour": 1, "minute": 38}
